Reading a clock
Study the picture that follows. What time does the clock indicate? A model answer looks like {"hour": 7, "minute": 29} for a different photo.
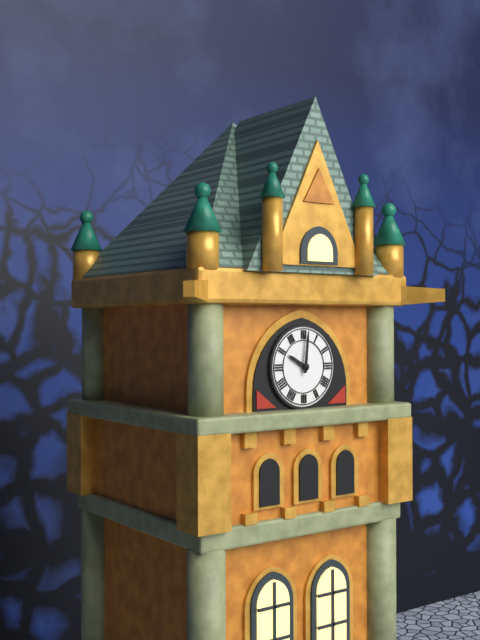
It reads {"hour": 10, "minute": 1}
